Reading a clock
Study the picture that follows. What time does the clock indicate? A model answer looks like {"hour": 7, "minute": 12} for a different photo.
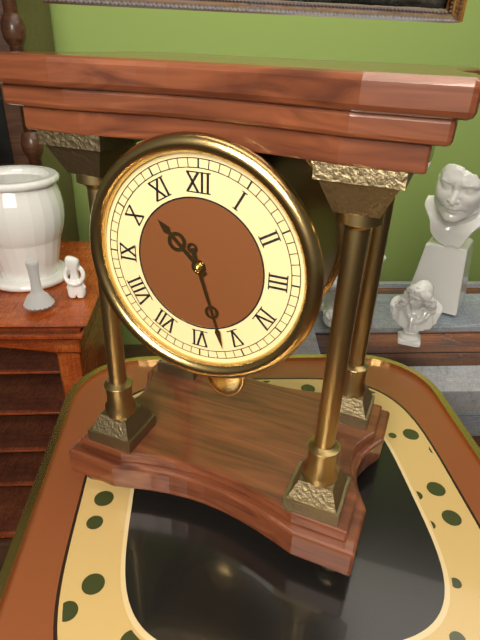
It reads {"hour": 10, "minute": 27}
